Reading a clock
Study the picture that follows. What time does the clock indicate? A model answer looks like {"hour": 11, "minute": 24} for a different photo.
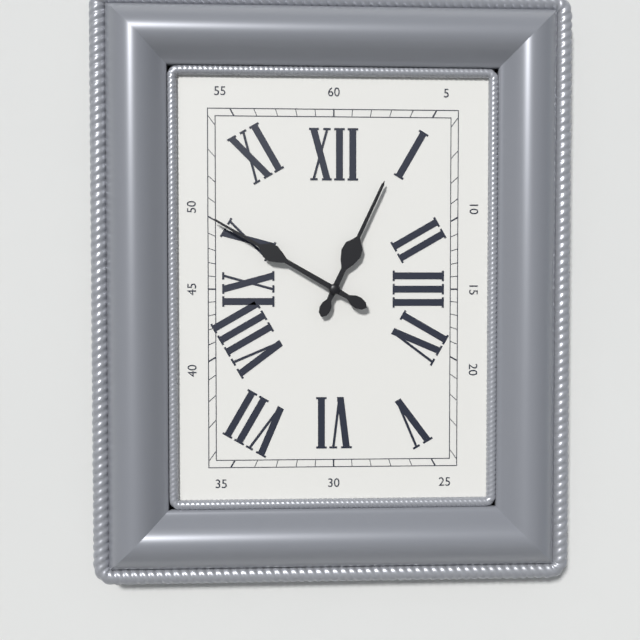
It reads {"hour": 12, "minute": 50}
